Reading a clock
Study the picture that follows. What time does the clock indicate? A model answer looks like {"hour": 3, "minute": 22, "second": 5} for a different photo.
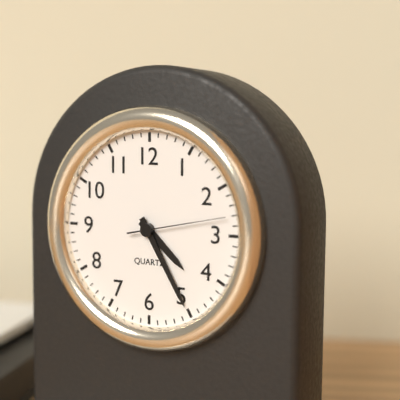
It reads {"hour": 4, "minute": 25, "second": 13}
